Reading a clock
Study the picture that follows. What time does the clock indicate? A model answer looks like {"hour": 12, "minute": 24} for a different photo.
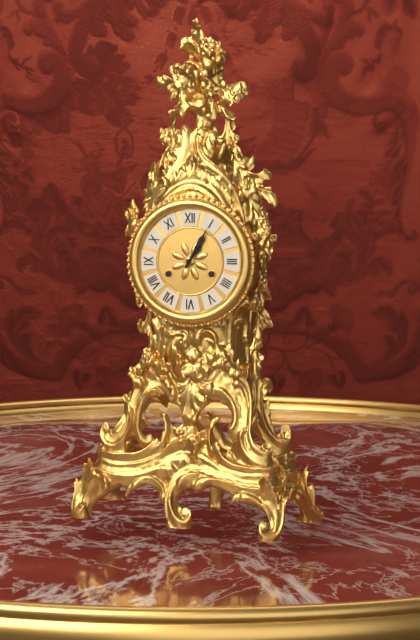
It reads {"hour": 1, "minute": 5}
